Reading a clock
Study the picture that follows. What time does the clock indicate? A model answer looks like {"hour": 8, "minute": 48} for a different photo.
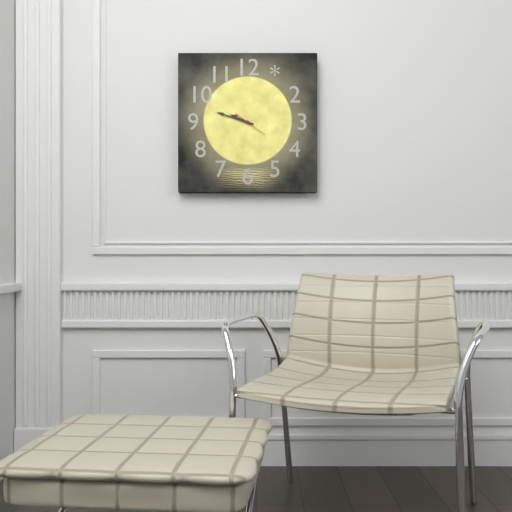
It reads {"hour": 9, "minute": 48}
